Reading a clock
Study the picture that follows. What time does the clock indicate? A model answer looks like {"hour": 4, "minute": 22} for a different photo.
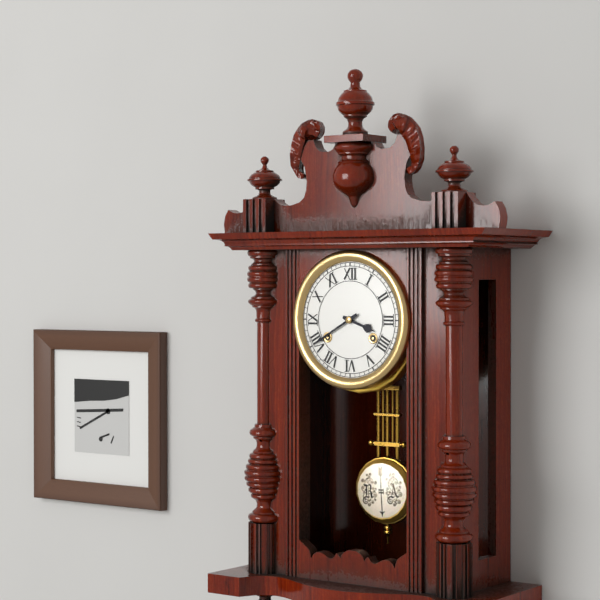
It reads {"hour": 3, "minute": 40}
